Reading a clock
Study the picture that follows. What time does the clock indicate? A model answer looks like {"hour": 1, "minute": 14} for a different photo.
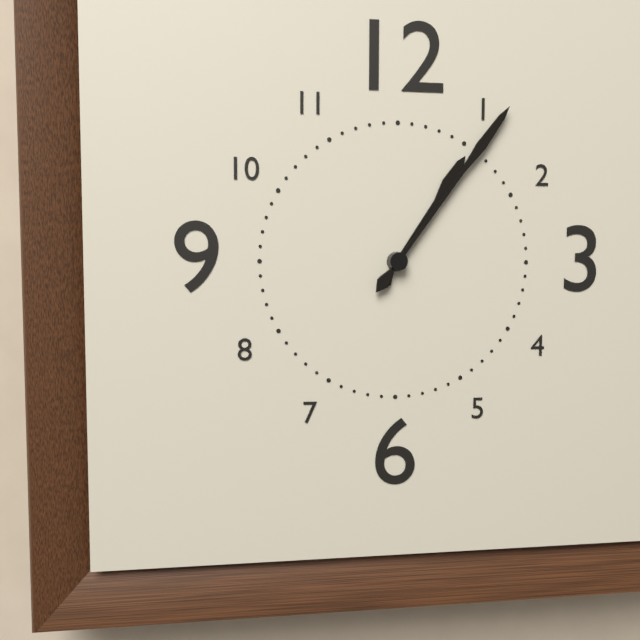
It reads {"hour": 1, "minute": 6}
